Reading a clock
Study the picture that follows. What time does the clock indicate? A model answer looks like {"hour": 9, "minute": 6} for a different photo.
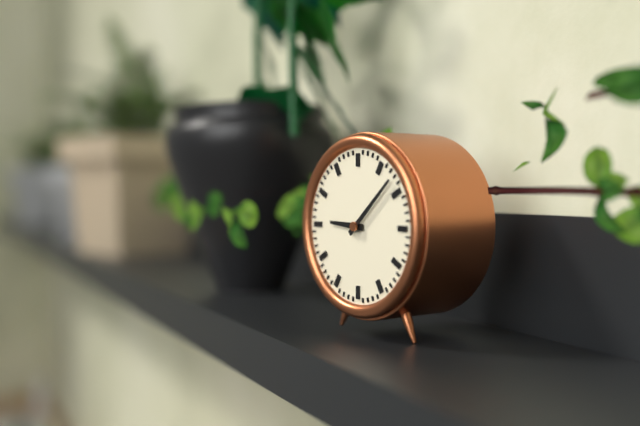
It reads {"hour": 9, "minute": 8}
